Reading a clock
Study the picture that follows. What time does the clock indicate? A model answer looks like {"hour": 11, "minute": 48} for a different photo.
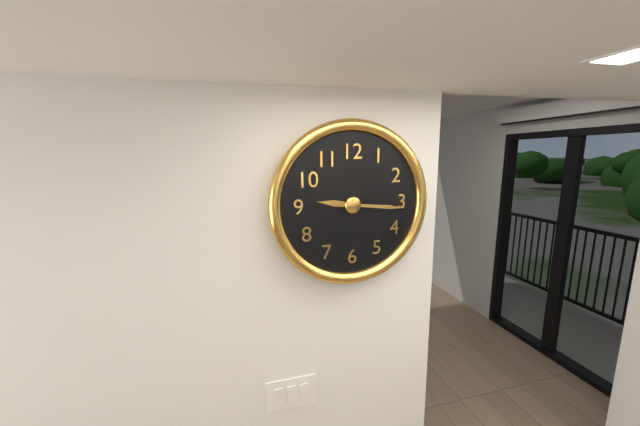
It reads {"hour": 9, "minute": 16}
